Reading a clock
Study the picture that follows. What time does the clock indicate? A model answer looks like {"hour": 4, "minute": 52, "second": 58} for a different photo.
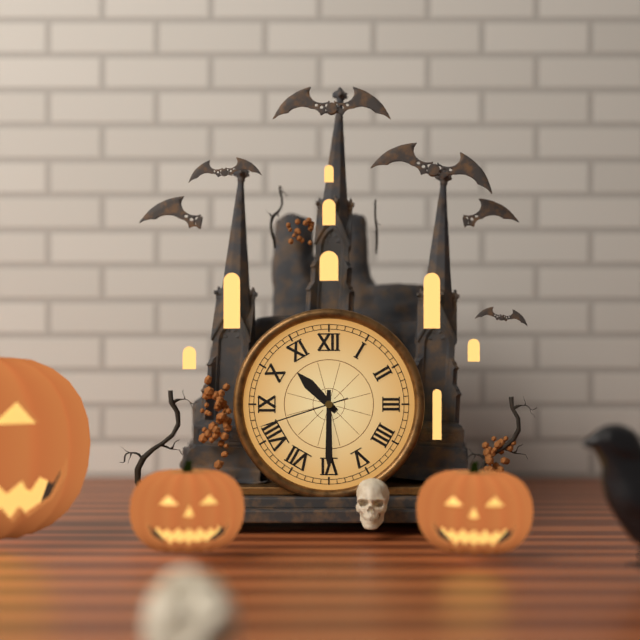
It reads {"hour": 10, "minute": 30, "second": 42}
